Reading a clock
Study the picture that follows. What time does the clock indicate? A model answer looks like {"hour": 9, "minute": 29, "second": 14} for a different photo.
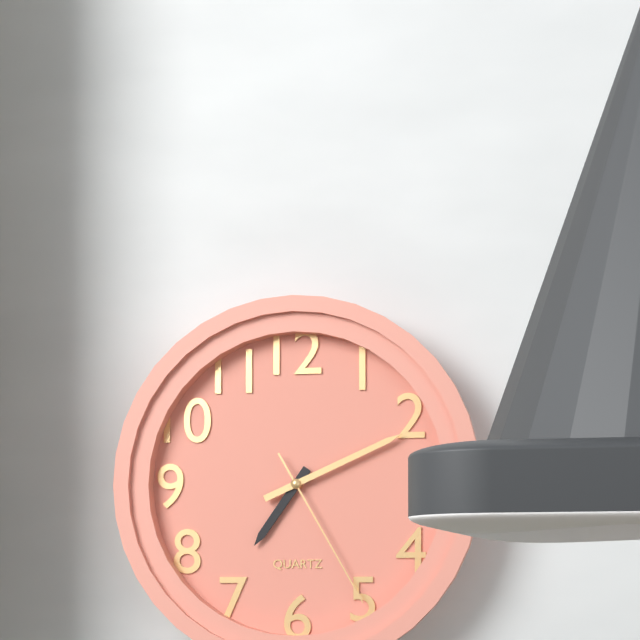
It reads {"hour": 7, "minute": 11, "second": 25}
